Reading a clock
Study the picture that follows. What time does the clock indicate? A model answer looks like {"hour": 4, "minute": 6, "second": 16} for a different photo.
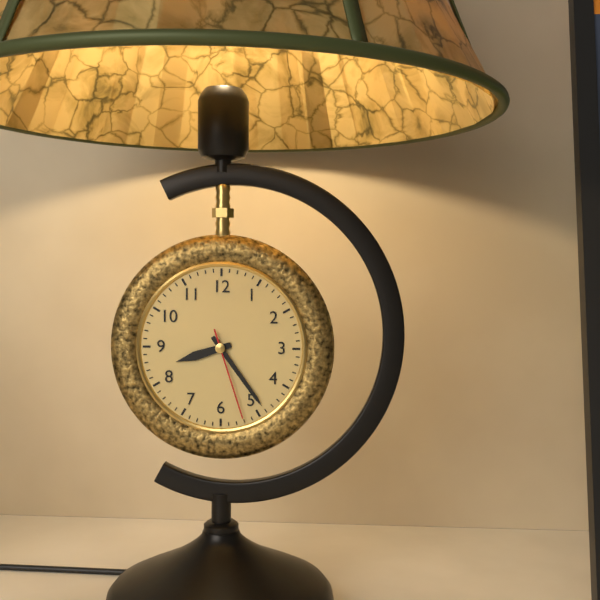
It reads {"hour": 8, "minute": 24, "second": 27}
